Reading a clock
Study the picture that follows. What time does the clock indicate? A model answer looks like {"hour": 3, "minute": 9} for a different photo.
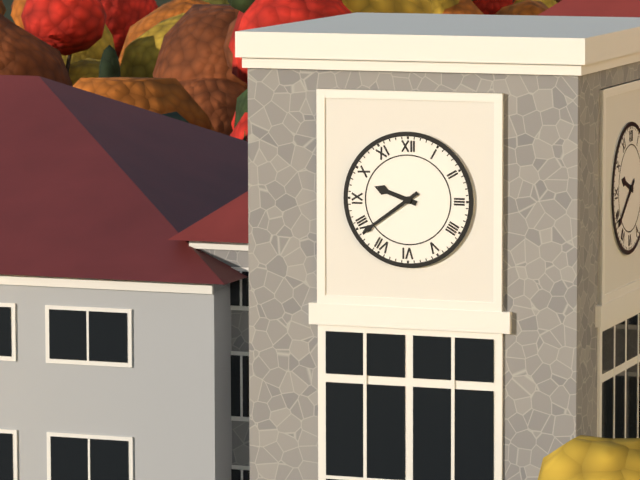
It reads {"hour": 9, "minute": 39}
